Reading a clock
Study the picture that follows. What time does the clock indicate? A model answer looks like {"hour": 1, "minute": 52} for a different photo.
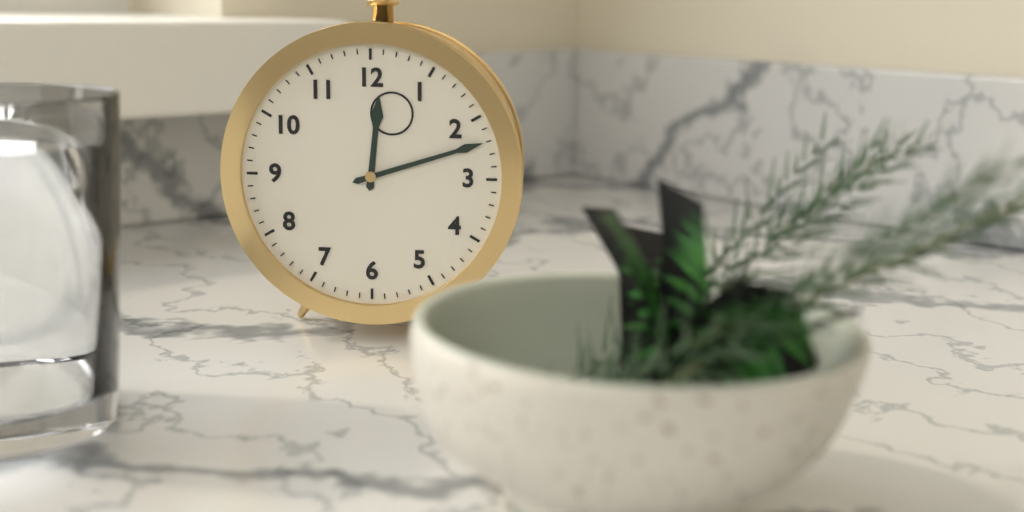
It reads {"hour": 12, "minute": 12}
